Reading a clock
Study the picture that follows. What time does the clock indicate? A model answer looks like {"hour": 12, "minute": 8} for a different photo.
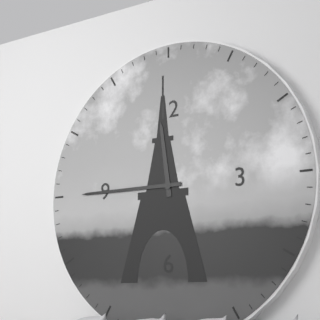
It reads {"hour": 11, "minute": 45}
